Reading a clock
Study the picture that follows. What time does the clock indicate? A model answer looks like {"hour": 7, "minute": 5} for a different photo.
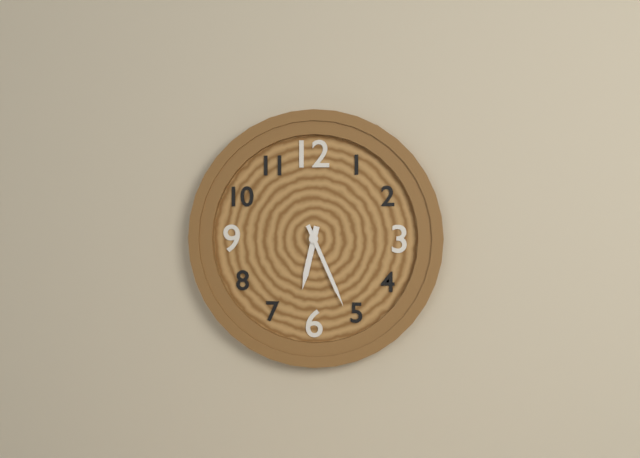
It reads {"hour": 6, "minute": 26}
